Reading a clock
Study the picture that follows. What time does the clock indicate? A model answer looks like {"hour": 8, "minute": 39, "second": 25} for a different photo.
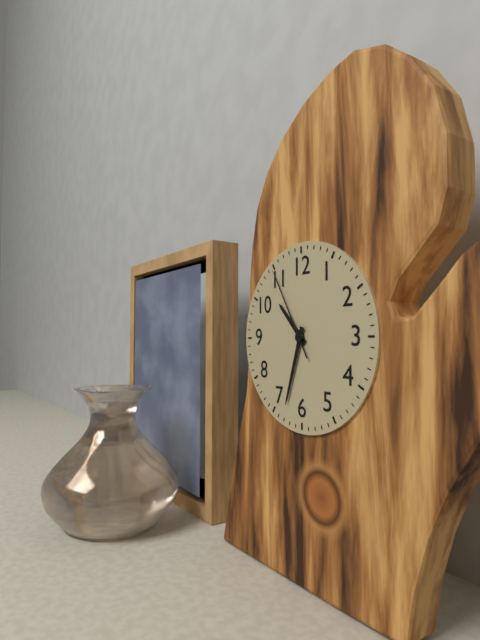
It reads {"hour": 10, "minute": 33, "second": 55}
